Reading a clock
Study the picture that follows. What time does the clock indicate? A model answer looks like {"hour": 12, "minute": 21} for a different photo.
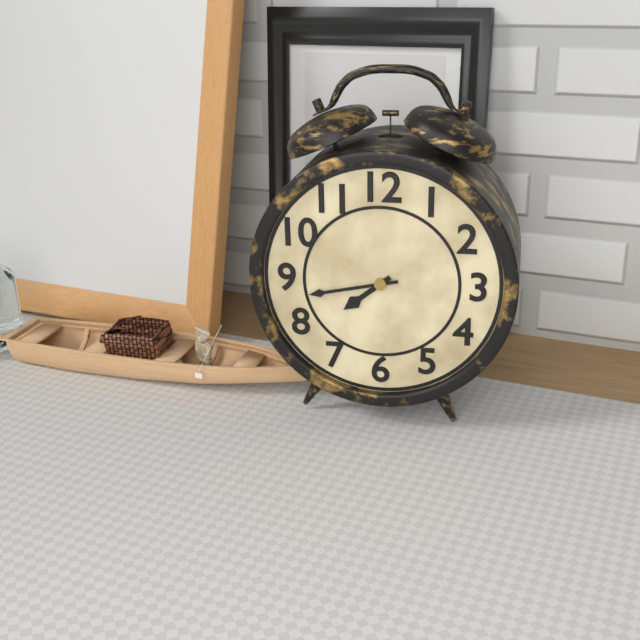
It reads {"hour": 7, "minute": 43}
